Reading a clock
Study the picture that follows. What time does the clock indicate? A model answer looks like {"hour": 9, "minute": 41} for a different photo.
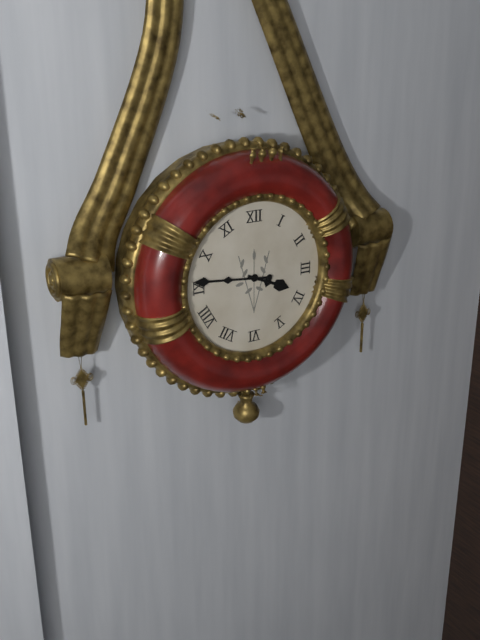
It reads {"hour": 3, "minute": 46}
